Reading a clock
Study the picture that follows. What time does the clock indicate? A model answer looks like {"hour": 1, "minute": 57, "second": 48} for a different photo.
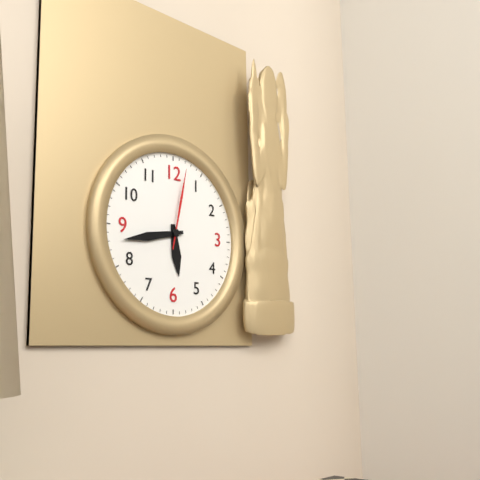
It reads {"hour": 5, "minute": 43, "second": 2}
